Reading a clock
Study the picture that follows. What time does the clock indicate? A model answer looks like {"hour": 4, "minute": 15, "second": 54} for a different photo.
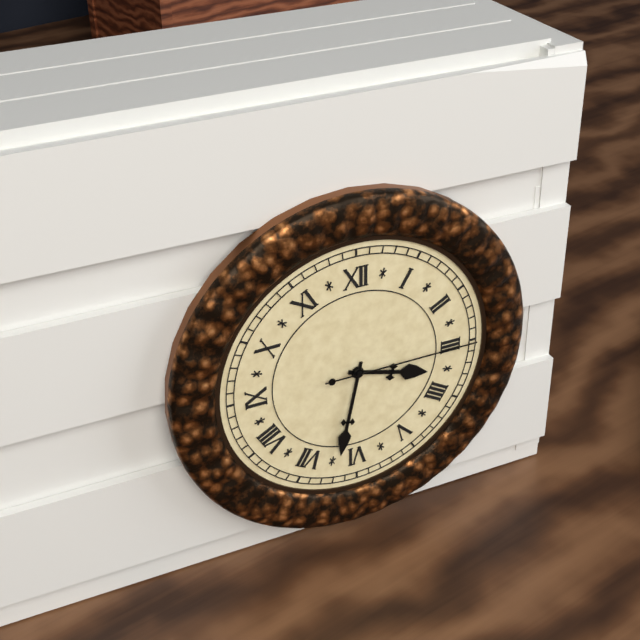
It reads {"hour": 3, "minute": 32, "second": 15}
